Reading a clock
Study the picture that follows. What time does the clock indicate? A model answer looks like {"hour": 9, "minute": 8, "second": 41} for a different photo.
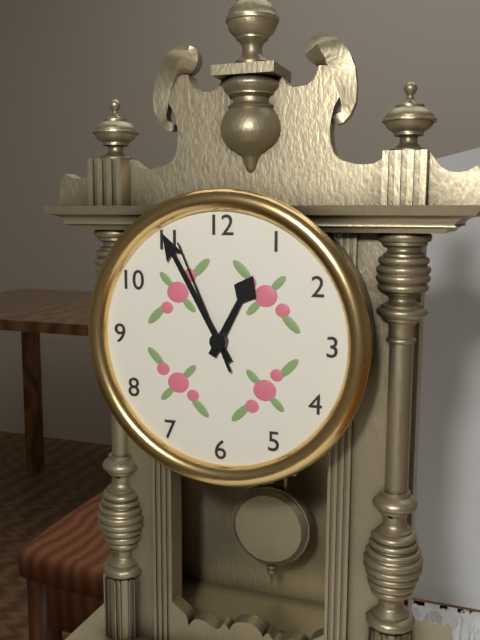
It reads {"hour": 12, "minute": 55, "second": 56}
